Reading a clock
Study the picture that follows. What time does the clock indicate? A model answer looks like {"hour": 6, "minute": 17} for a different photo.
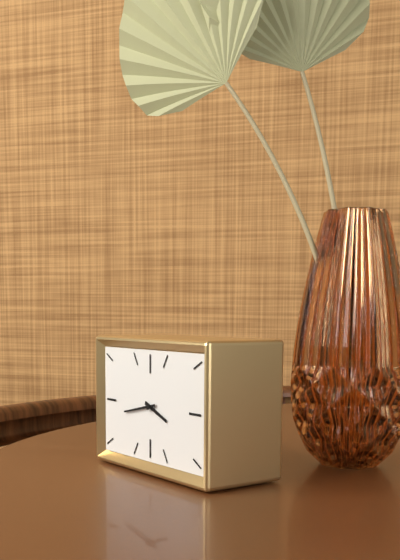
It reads {"hour": 3, "minute": 43}
